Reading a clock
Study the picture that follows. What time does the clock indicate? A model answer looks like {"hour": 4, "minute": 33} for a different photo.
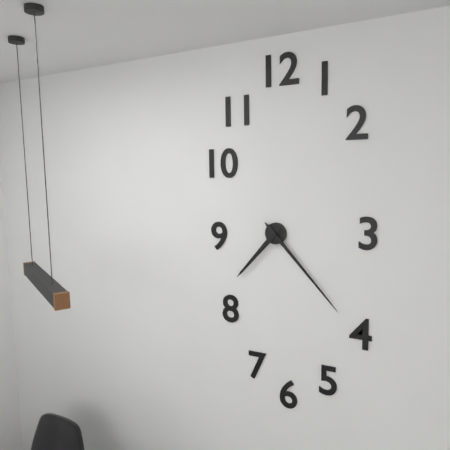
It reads {"hour": 7, "minute": 23}
